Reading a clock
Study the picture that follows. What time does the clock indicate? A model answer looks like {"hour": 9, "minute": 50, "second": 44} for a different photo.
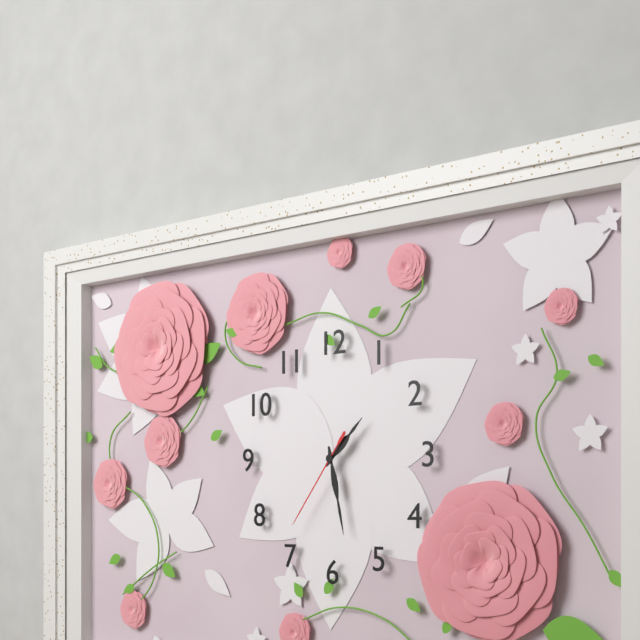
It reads {"hour": 1, "minute": 28, "second": 36}
